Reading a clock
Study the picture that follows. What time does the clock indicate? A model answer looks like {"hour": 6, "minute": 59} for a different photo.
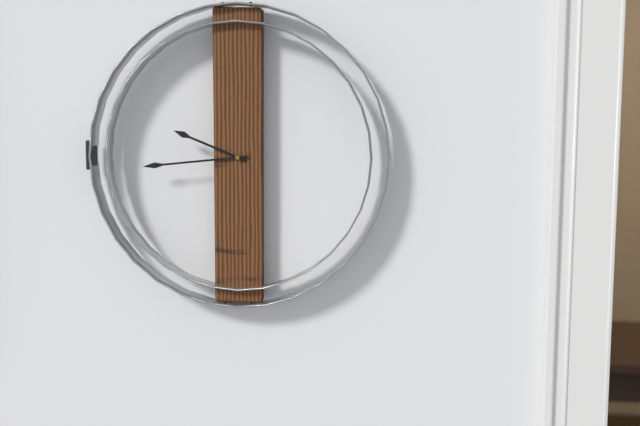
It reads {"hour": 9, "minute": 44}
